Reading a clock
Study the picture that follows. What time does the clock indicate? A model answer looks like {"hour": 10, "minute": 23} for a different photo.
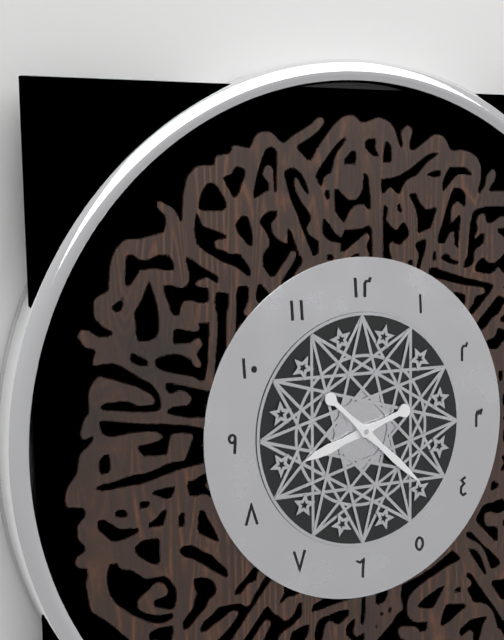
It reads {"hour": 8, "minute": 22}
